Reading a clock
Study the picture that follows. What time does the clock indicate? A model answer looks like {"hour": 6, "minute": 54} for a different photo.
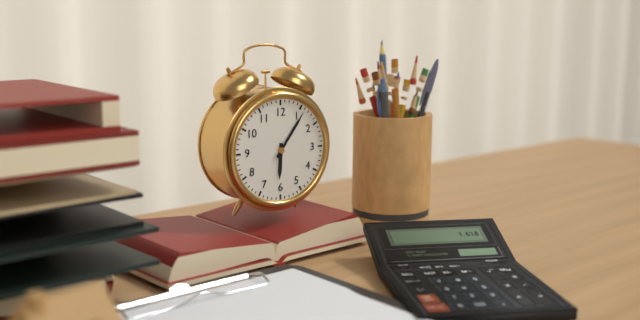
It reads {"hour": 6, "minute": 6}
